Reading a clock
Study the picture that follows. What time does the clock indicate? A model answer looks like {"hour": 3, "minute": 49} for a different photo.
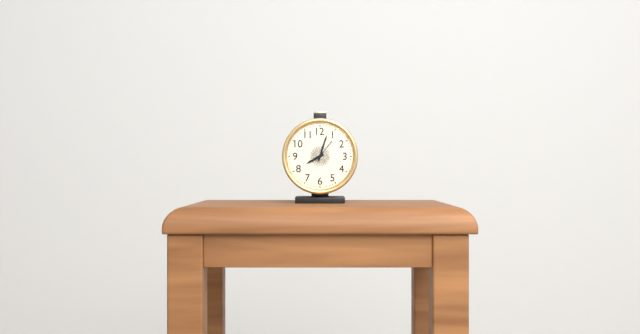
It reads {"hour": 8, "minute": 3}
